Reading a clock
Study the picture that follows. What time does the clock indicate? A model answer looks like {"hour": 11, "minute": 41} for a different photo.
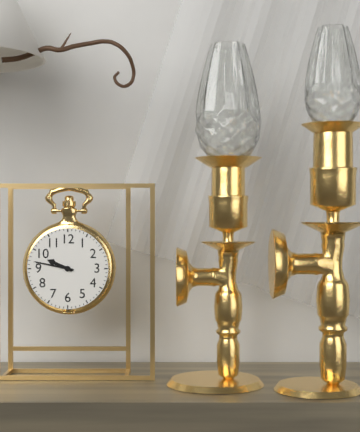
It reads {"hour": 9, "minute": 47}
